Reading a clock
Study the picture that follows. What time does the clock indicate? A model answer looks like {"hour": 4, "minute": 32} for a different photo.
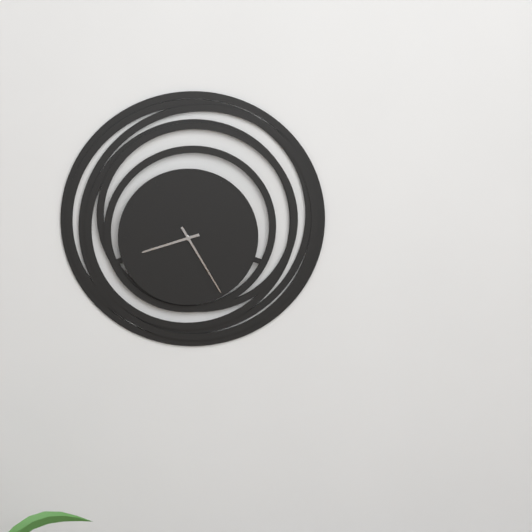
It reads {"hour": 8, "minute": 25}
